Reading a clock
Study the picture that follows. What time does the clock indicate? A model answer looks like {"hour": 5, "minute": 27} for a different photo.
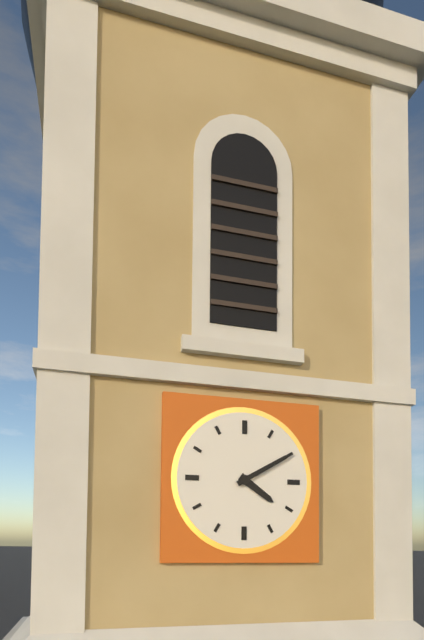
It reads {"hour": 4, "minute": 10}
